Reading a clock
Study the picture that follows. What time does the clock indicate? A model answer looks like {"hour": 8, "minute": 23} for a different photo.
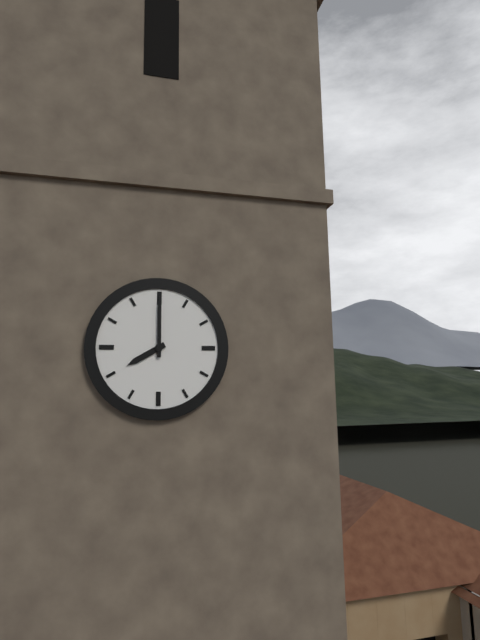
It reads {"hour": 8, "minute": 0}
